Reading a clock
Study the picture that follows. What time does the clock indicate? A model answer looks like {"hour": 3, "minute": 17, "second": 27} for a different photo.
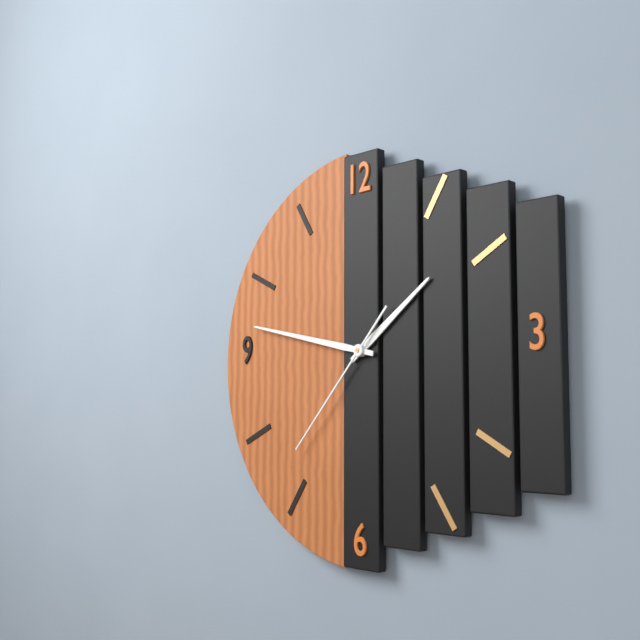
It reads {"hour": 1, "minute": 47, "second": 37}
